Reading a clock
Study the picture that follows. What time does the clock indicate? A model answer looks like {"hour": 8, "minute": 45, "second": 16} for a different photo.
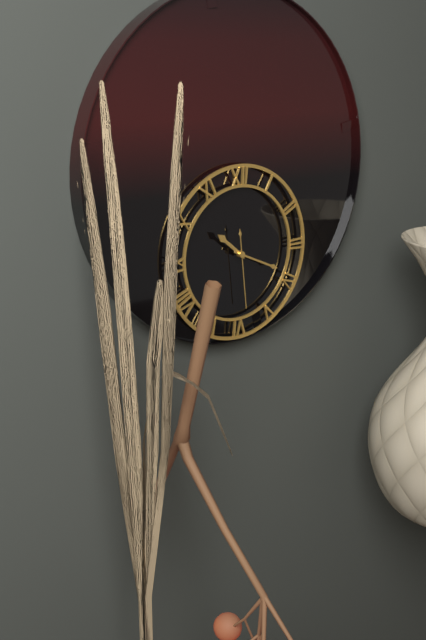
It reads {"hour": 10, "minute": 19, "second": 29}
